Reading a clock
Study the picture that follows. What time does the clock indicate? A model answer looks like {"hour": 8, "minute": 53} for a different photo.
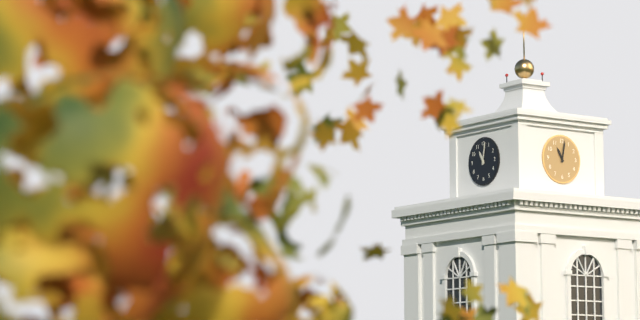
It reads {"hour": 11, "minute": 2}
